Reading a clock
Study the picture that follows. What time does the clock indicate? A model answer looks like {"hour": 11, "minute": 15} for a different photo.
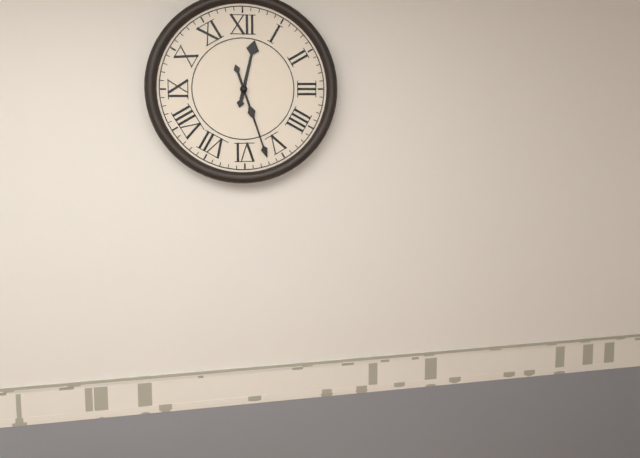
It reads {"hour": 12, "minute": 27}
